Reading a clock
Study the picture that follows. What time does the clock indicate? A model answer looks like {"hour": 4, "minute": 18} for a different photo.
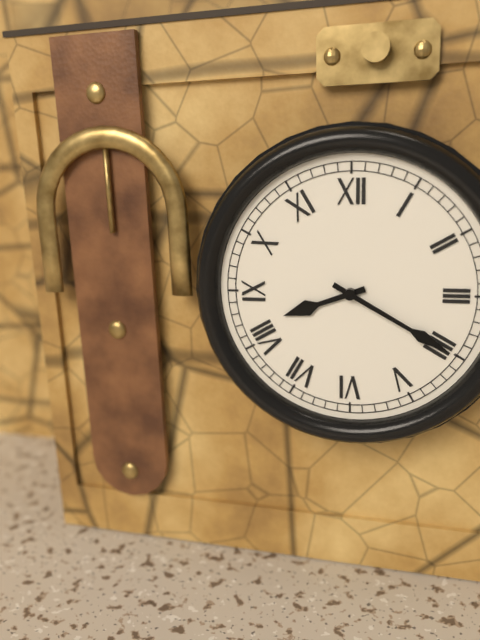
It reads {"hour": 8, "minute": 20}
